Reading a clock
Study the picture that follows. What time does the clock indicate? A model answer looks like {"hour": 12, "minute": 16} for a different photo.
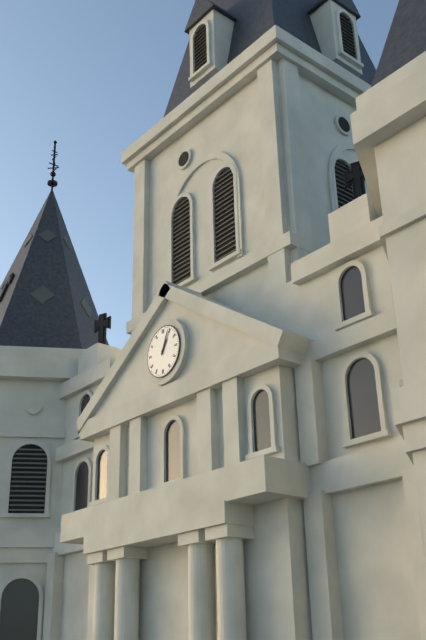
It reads {"hour": 1, "minute": 4}
